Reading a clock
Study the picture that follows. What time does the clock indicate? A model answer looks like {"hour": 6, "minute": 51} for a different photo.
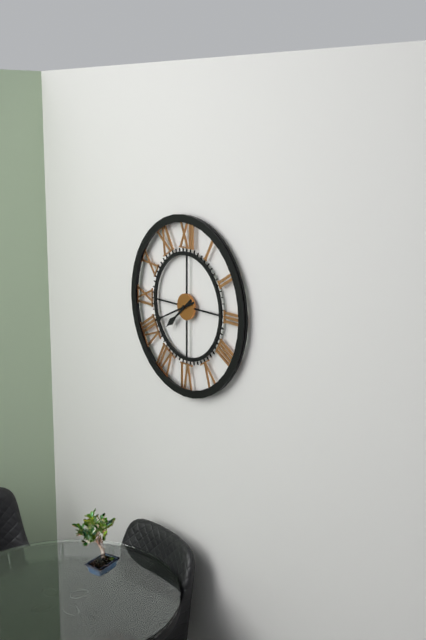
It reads {"hour": 7, "minute": 41}
